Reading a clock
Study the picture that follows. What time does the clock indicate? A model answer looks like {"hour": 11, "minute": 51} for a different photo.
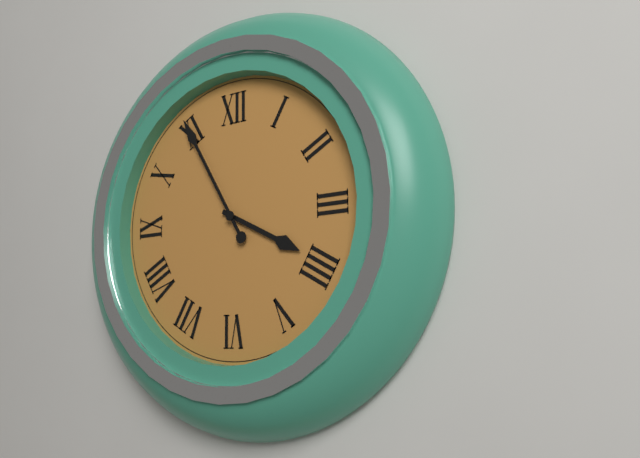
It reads {"hour": 3, "minute": 55}
